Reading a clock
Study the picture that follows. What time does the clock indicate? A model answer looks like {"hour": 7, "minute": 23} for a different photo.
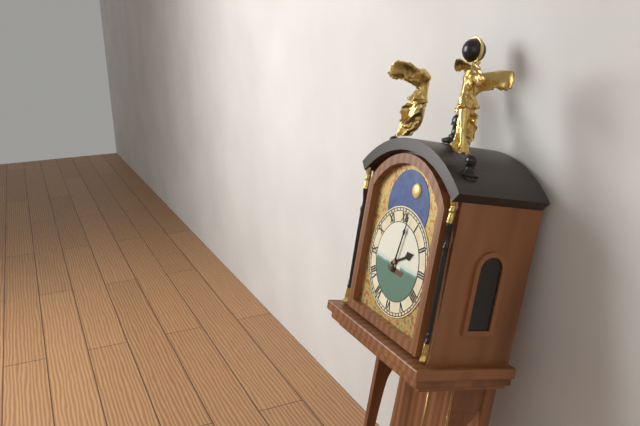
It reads {"hour": 2, "minute": 2}
